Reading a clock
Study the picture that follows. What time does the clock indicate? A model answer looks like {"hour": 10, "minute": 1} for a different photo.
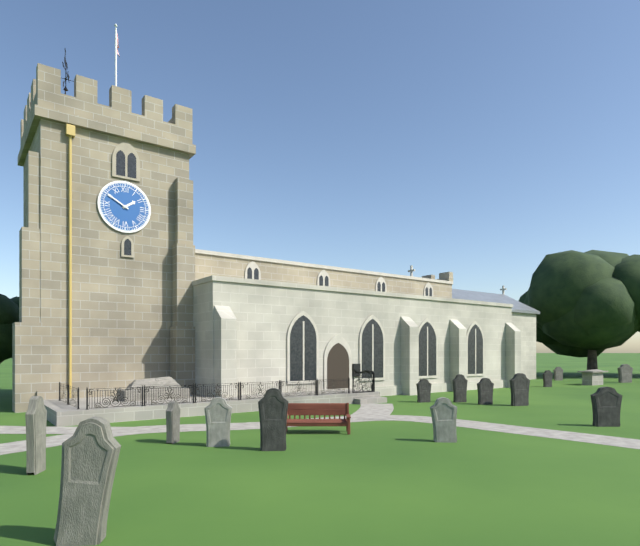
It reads {"hour": 1, "minute": 50}
